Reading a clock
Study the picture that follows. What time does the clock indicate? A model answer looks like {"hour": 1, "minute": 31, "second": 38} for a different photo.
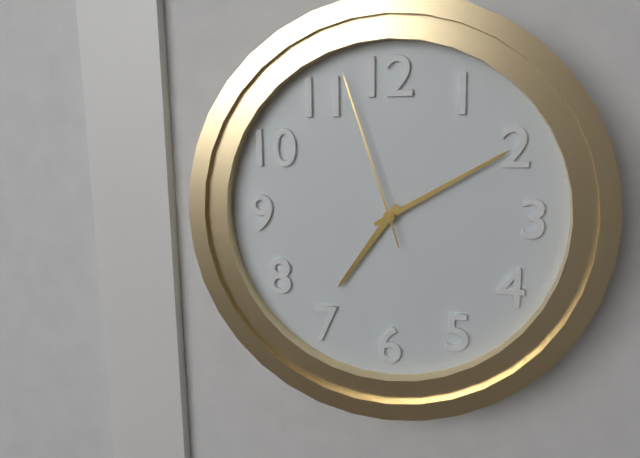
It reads {"hour": 7, "minute": 10, "second": 57}
